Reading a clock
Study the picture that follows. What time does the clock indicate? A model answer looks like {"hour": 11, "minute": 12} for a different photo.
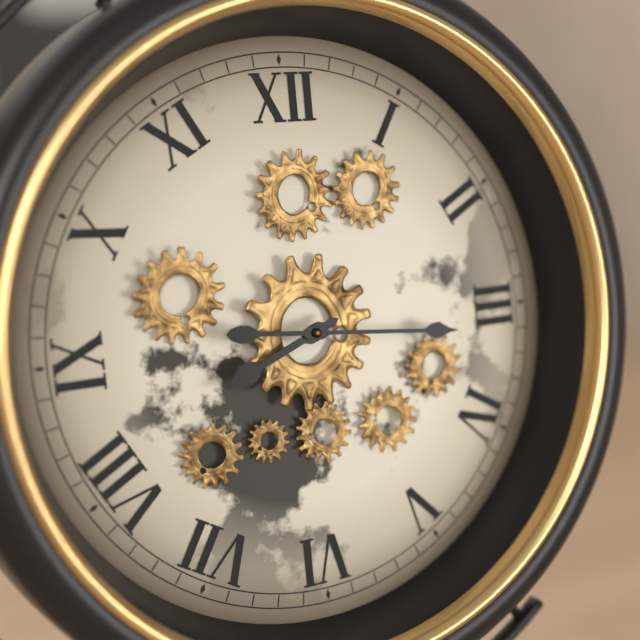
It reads {"hour": 8, "minute": 16}
